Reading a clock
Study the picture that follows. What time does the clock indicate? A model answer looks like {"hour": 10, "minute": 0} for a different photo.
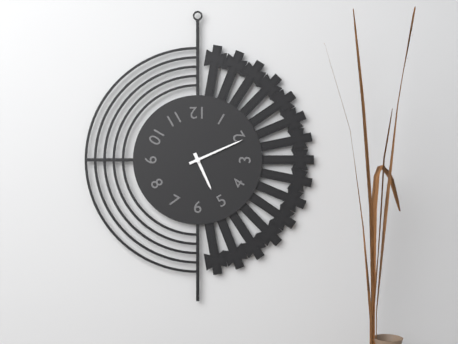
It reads {"hour": 5, "minute": 11}
